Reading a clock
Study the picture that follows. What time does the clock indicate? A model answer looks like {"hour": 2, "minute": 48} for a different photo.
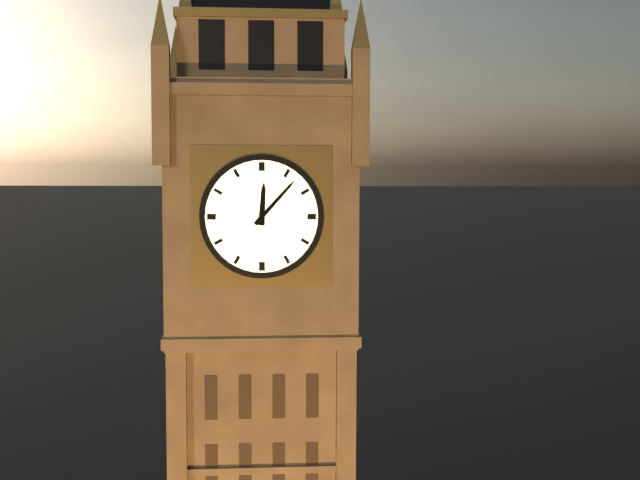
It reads {"hour": 12, "minute": 7}
